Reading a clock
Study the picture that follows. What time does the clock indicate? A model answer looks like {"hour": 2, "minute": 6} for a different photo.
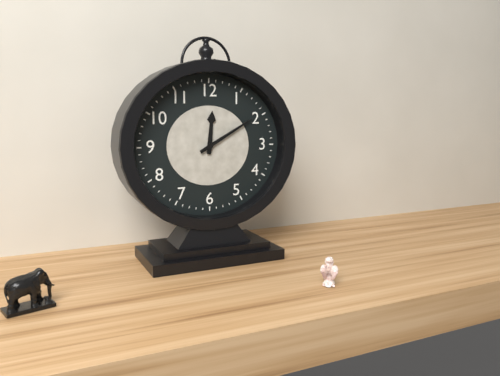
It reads {"hour": 12, "minute": 10}
